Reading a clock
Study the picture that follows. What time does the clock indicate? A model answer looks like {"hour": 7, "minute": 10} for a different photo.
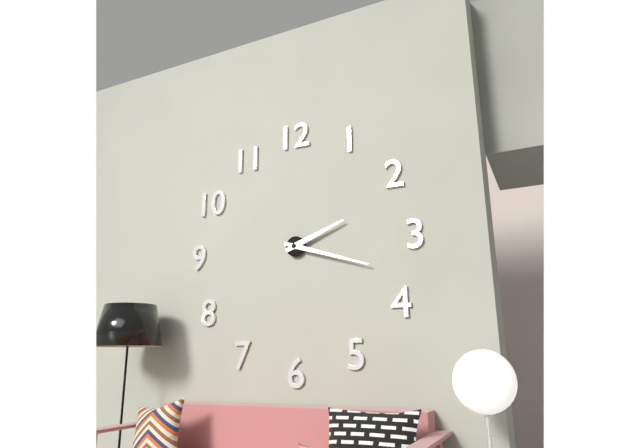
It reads {"hour": 2, "minute": 18}
